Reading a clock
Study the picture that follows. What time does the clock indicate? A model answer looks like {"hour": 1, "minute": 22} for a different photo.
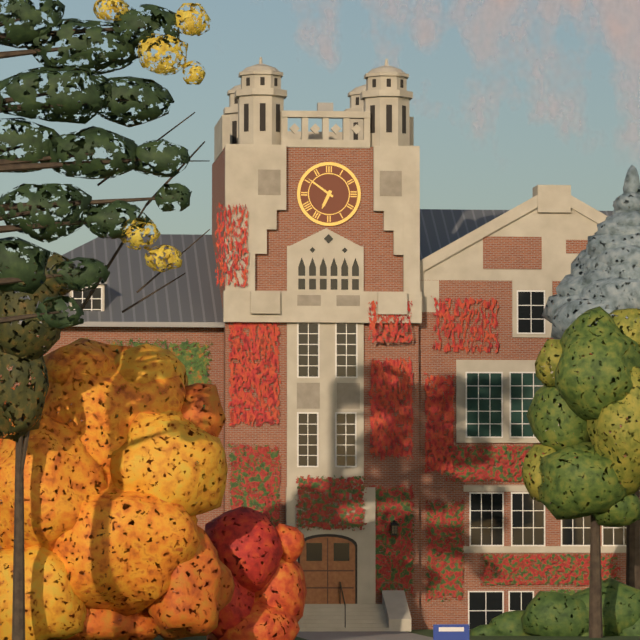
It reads {"hour": 6, "minute": 51}
